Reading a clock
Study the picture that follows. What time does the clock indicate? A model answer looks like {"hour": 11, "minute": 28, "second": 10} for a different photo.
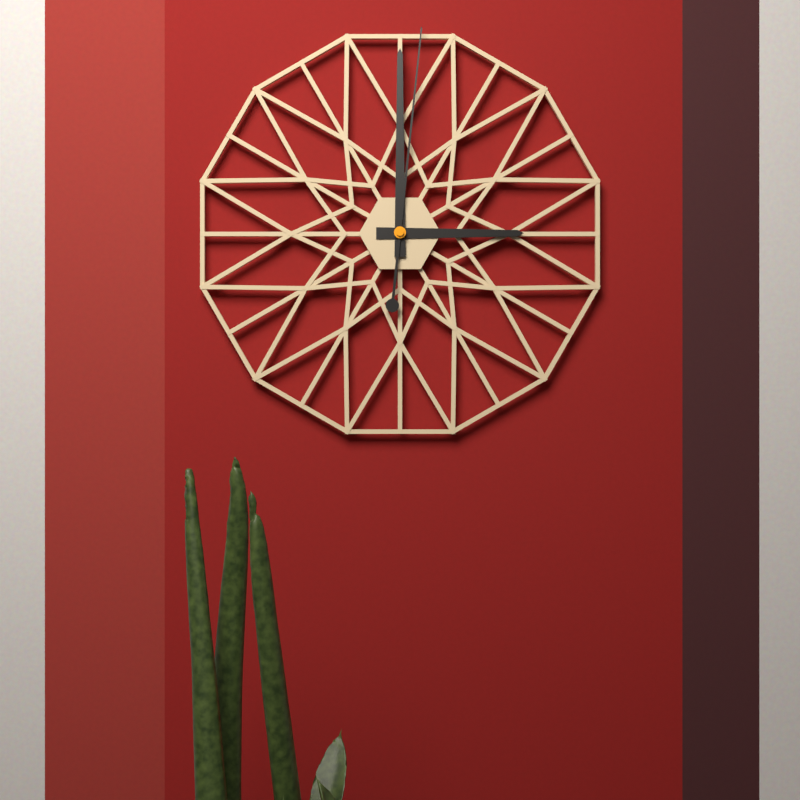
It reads {"hour": 3, "minute": 0, "second": 1}
